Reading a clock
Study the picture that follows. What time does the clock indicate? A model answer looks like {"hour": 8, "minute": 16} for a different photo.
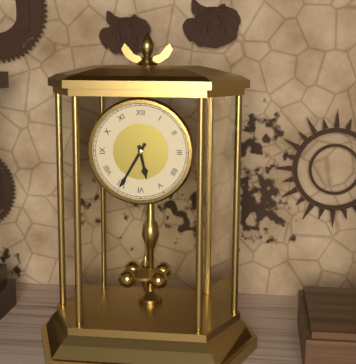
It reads {"hour": 5, "minute": 35}
